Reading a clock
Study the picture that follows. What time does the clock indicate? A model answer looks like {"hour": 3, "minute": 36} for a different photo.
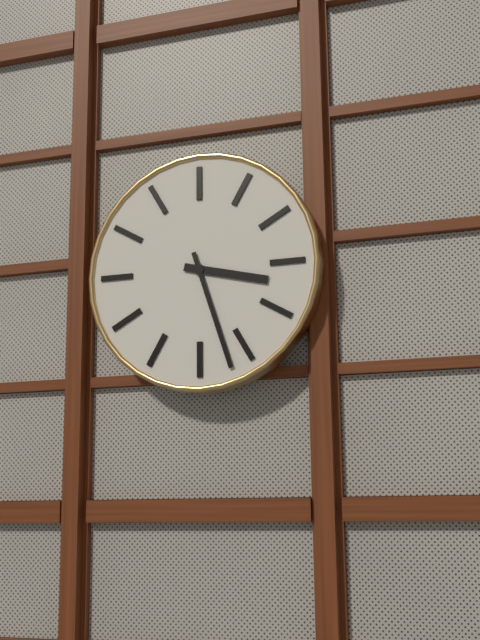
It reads {"hour": 3, "minute": 27}
